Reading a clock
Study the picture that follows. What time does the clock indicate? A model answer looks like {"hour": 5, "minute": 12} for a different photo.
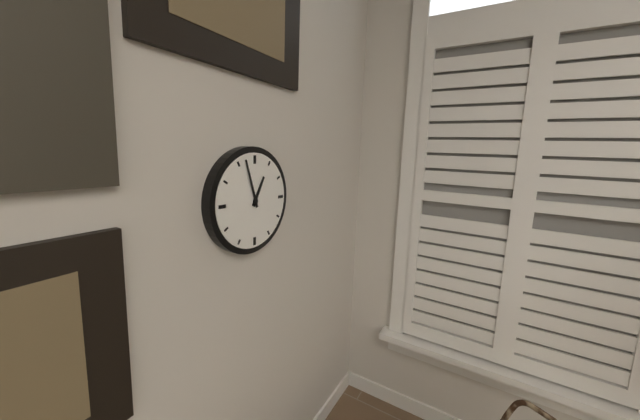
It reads {"hour": 12, "minute": 57}
